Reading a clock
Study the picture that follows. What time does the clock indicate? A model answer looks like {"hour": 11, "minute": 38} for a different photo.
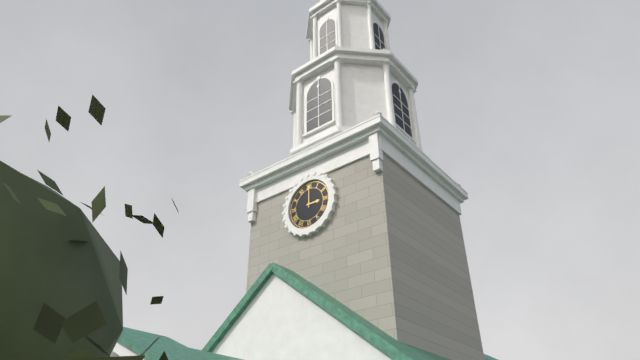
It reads {"hour": 3, "minute": 0}
